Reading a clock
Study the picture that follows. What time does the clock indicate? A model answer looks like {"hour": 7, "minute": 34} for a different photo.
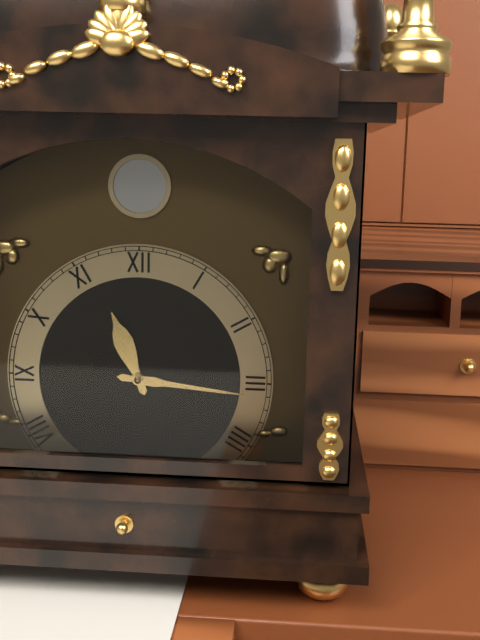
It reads {"hour": 11, "minute": 16}
